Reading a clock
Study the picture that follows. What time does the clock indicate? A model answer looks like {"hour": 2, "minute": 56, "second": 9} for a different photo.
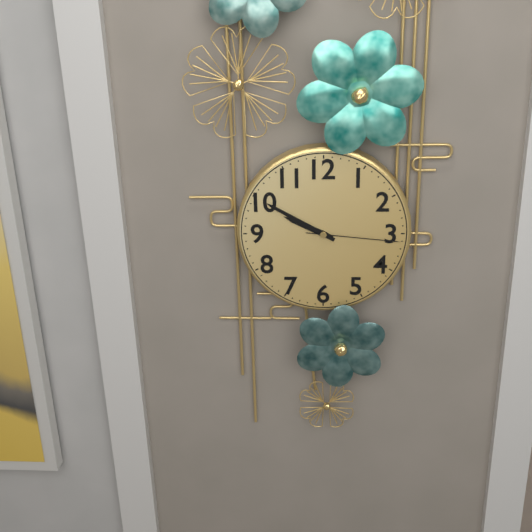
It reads {"hour": 9, "minute": 50, "second": 16}
